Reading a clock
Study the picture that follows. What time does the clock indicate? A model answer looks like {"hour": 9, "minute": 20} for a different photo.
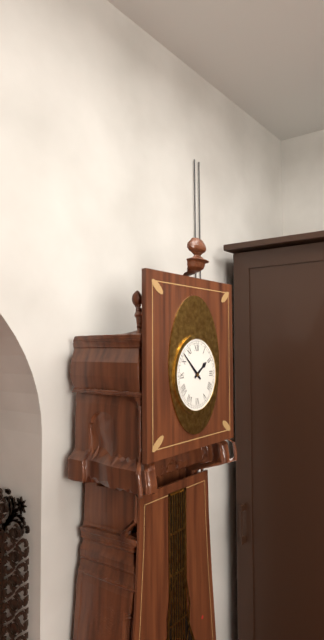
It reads {"hour": 1, "minute": 52}
